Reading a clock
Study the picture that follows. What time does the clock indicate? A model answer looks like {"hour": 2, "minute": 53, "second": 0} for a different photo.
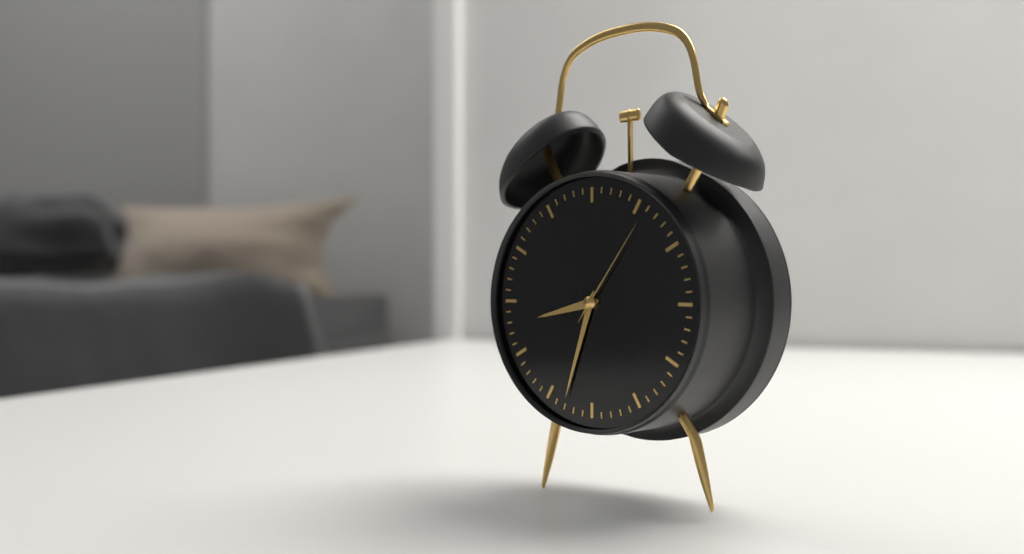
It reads {"hour": 8, "minute": 33, "second": 6}
